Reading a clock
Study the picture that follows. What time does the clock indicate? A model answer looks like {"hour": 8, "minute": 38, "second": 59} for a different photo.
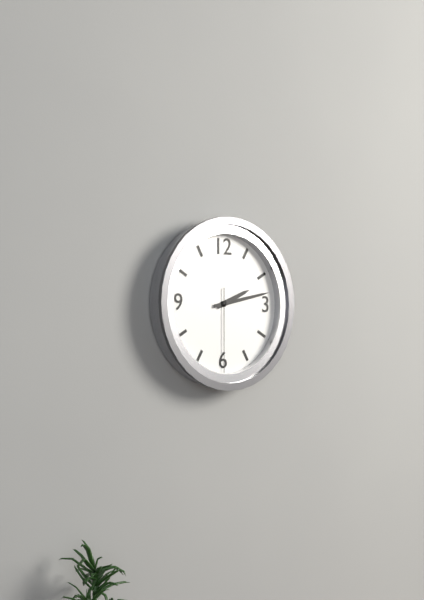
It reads {"hour": 2, "minute": 13, "second": 30}
